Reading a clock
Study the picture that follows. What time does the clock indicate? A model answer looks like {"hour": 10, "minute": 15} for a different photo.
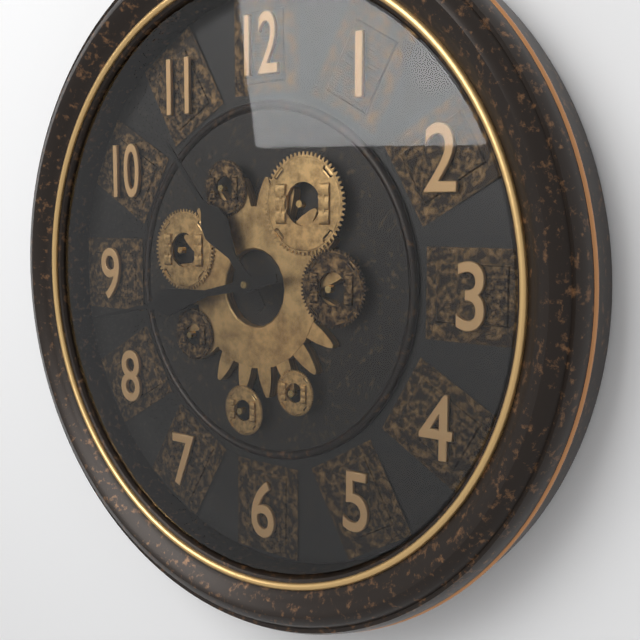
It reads {"hour": 10, "minute": 43}
